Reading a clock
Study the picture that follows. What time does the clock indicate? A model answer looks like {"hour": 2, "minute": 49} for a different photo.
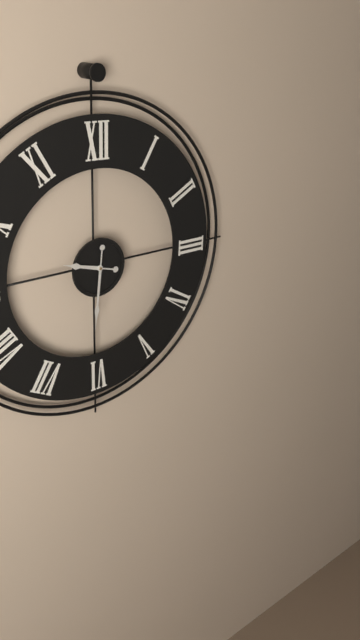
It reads {"hour": 9, "minute": 31}
